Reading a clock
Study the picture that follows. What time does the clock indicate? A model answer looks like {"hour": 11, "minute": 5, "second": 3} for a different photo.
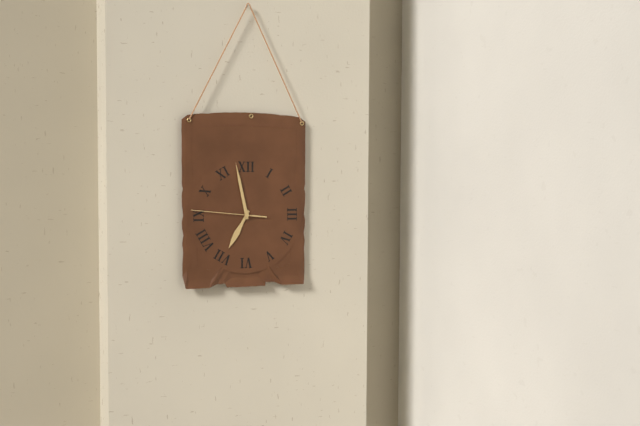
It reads {"hour": 6, "minute": 58, "second": 46}
